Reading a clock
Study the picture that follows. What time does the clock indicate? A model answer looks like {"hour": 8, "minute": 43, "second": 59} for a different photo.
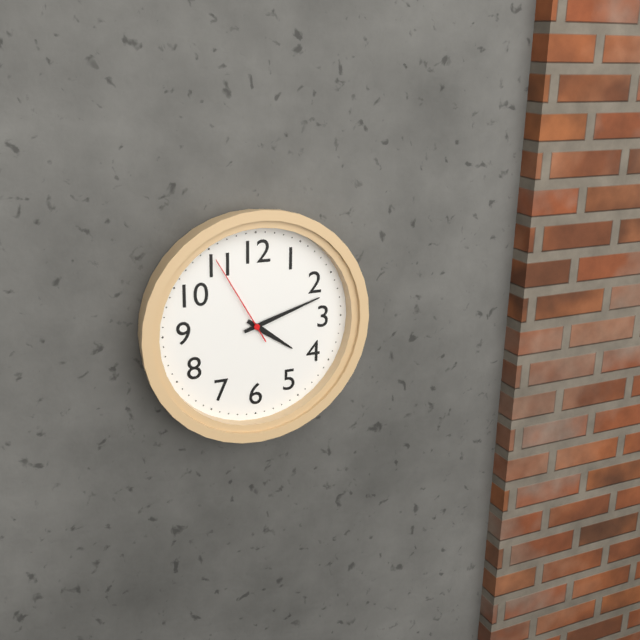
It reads {"hour": 4, "minute": 12, "second": 55}
